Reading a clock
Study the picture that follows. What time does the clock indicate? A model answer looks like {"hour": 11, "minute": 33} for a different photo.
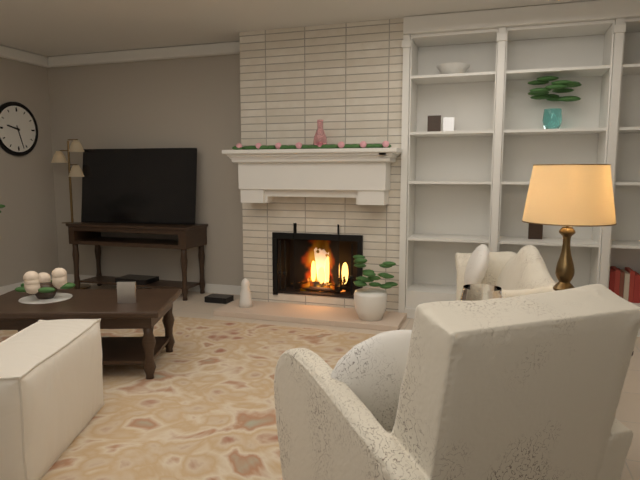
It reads {"hour": 9, "minute": 27}
